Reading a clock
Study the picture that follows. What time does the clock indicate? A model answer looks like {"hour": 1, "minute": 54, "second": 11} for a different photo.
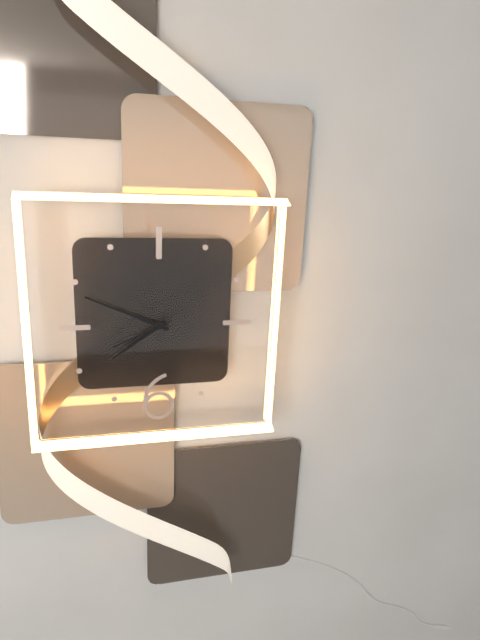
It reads {"hour": 7, "minute": 49, "second": 41}
